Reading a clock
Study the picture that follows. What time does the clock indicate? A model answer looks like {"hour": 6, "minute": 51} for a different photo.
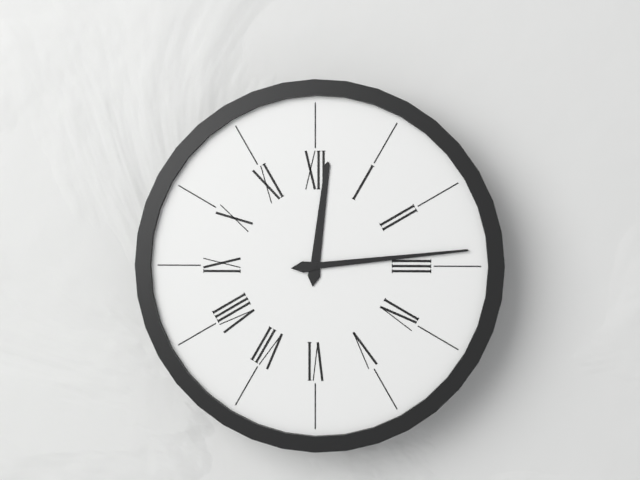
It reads {"hour": 12, "minute": 14}
